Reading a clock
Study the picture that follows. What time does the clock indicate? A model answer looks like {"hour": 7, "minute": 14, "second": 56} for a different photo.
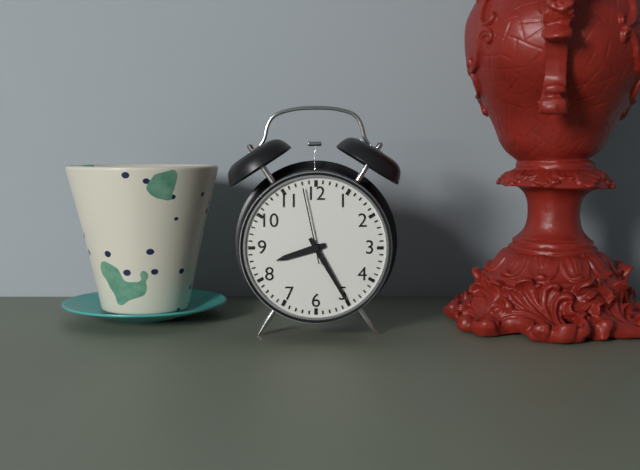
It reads {"hour": 8, "minute": 25, "second": 58}
